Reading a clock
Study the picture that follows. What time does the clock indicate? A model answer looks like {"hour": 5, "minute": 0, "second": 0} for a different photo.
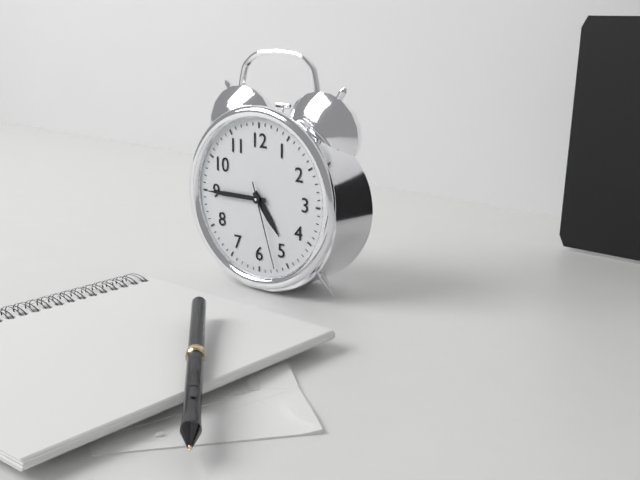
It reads {"hour": 4, "minute": 45, "second": 27}
